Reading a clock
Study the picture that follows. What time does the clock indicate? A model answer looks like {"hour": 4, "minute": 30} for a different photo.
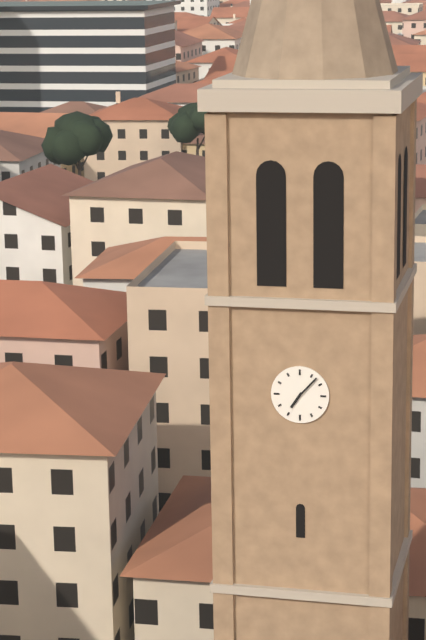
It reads {"hour": 7, "minute": 7}
